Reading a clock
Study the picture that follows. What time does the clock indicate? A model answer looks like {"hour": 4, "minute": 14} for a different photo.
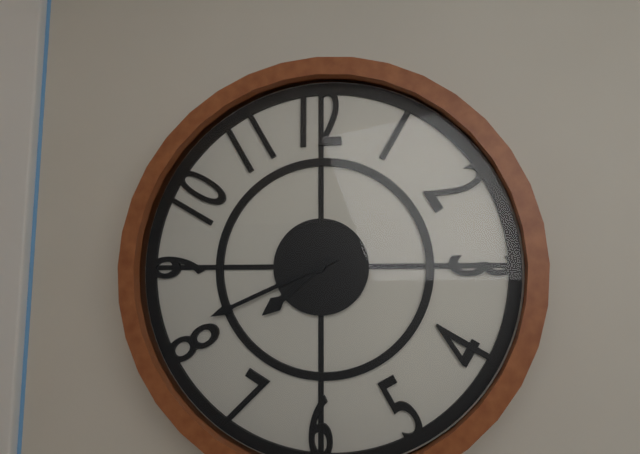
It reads {"hour": 7, "minute": 41}
